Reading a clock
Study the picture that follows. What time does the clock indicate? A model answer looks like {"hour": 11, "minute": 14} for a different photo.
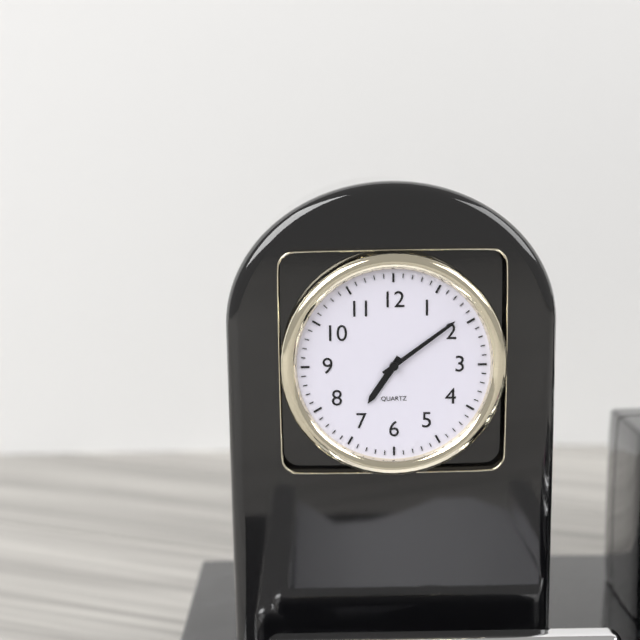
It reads {"hour": 7, "minute": 9}
